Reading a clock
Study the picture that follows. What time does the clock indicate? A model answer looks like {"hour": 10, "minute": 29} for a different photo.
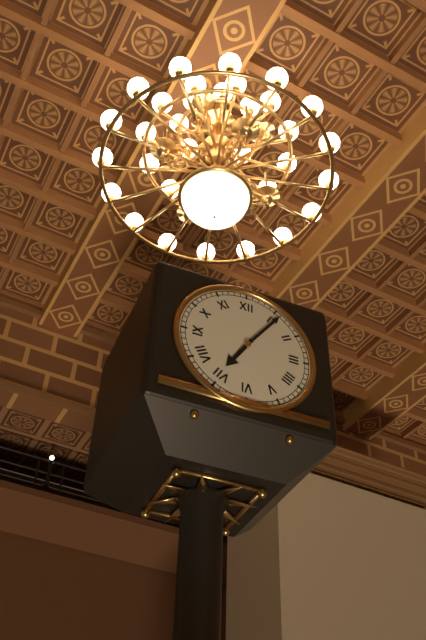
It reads {"hour": 7, "minute": 6}
